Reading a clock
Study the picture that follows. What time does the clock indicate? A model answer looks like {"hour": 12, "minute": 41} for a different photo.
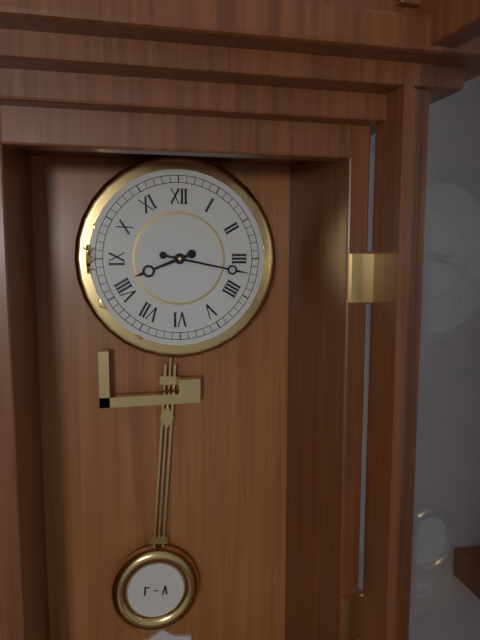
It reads {"hour": 8, "minute": 17}
